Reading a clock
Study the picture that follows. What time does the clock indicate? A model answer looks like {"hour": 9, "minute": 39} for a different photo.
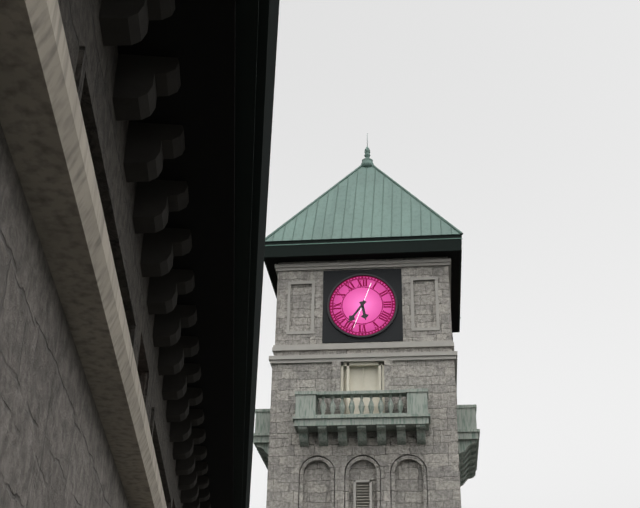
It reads {"hour": 5, "minute": 36}
